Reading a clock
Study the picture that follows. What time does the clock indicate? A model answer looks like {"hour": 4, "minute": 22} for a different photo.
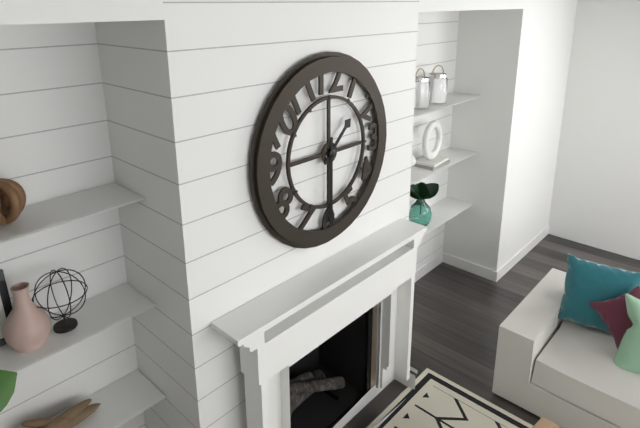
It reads {"hour": 1, "minute": 30}
